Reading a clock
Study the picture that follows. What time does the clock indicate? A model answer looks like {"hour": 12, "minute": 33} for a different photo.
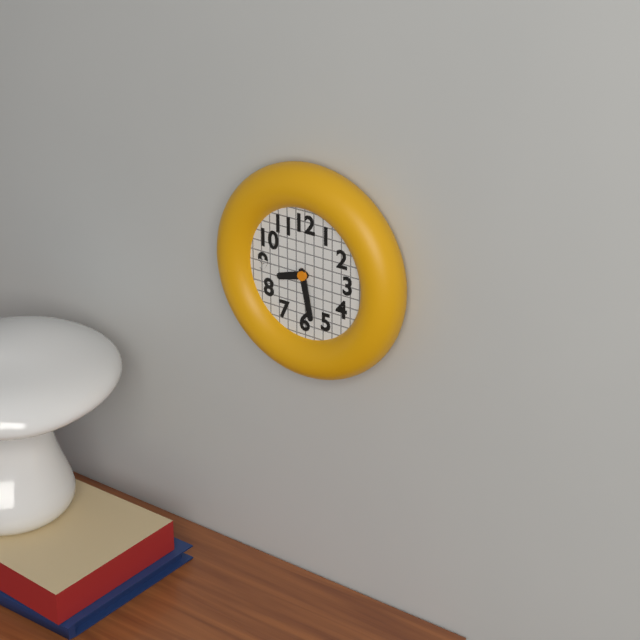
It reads {"hour": 8, "minute": 28}
